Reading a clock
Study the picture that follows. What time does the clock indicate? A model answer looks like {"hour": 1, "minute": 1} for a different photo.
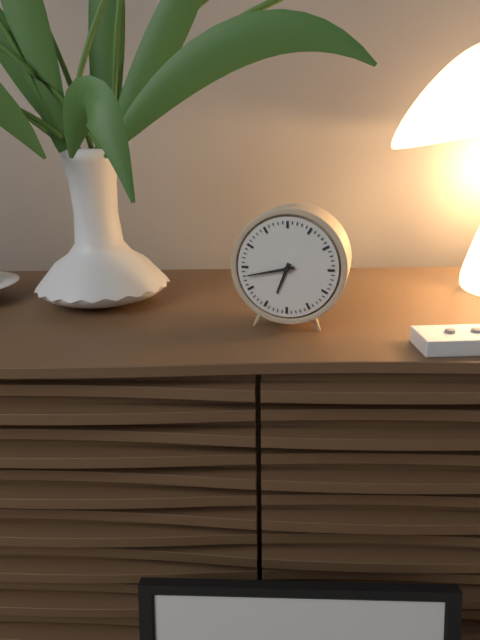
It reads {"hour": 6, "minute": 43}
